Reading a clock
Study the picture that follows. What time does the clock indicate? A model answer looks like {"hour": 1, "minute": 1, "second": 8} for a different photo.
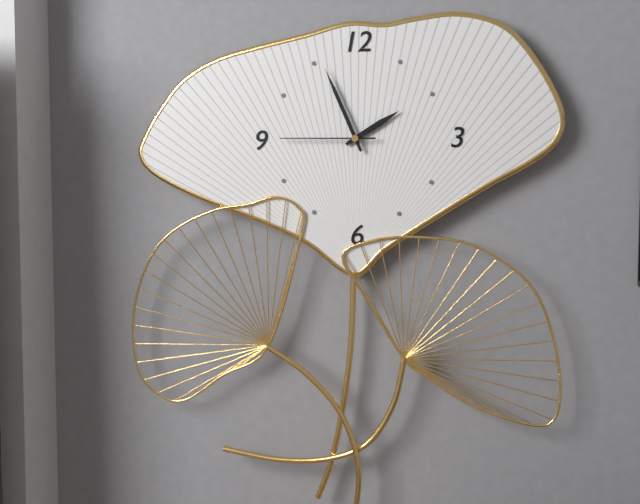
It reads {"hour": 1, "minute": 56, "second": 45}
